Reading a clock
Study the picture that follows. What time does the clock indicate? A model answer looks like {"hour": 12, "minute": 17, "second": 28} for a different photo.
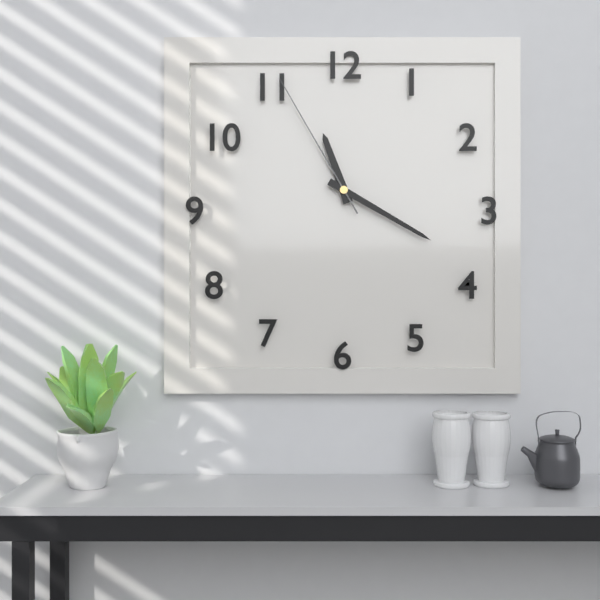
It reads {"hour": 11, "minute": 20, "second": 55}
